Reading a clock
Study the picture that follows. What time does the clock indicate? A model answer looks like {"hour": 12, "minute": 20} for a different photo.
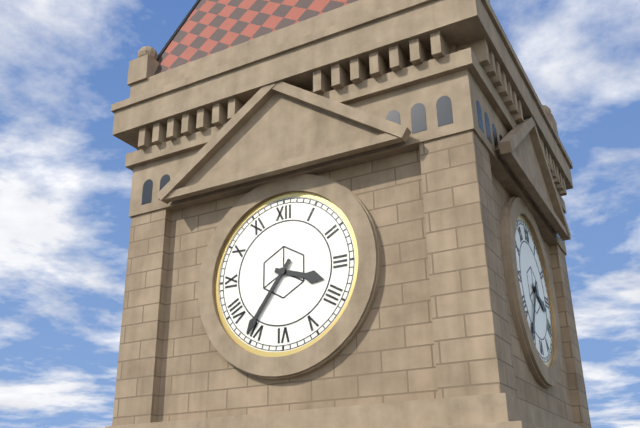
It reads {"hour": 3, "minute": 36}
